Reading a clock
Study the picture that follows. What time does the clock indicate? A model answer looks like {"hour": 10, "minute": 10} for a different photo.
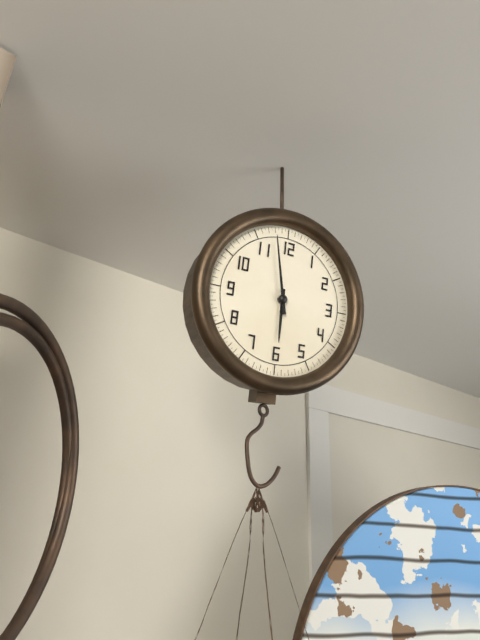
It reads {"hour": 5, "minute": 58}
